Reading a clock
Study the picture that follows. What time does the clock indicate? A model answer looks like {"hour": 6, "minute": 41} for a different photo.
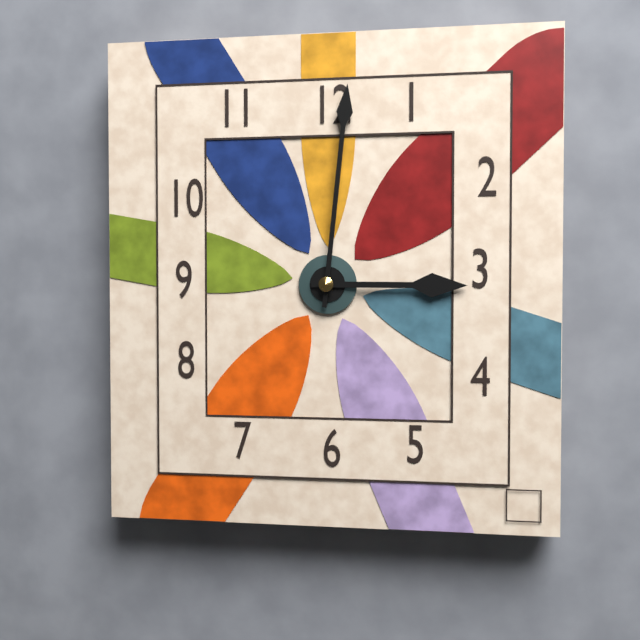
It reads {"hour": 3, "minute": 1}
